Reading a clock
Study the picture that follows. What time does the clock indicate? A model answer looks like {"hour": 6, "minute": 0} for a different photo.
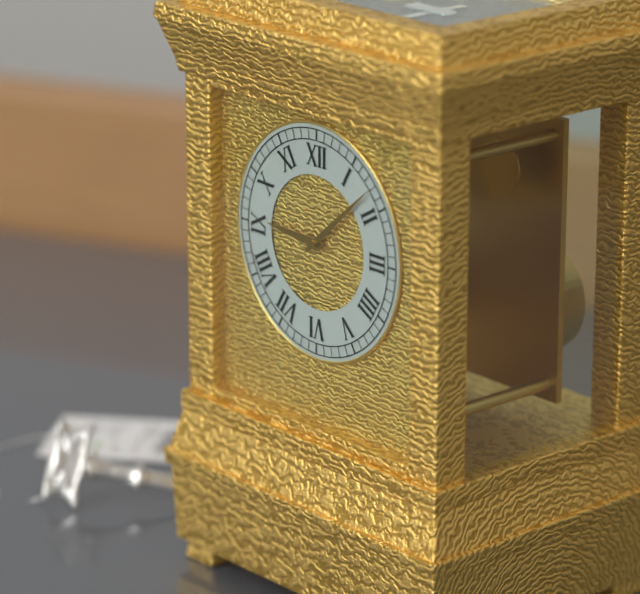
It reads {"hour": 9, "minute": 8}
